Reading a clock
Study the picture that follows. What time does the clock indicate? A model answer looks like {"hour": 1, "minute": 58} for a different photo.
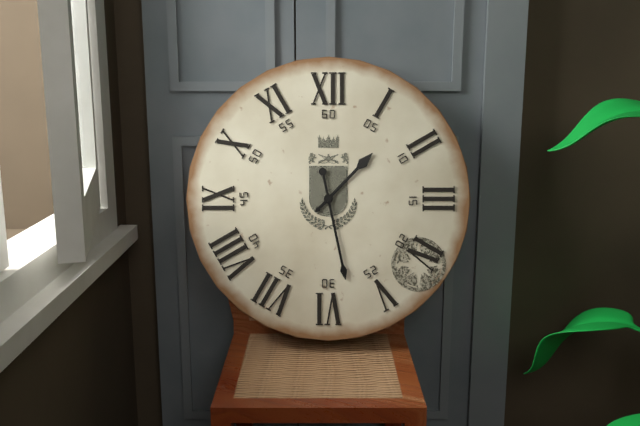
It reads {"hour": 1, "minute": 28}
